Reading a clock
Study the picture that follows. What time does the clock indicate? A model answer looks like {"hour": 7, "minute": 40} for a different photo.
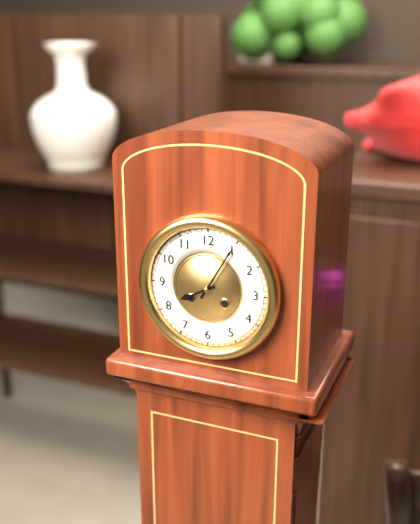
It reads {"hour": 8, "minute": 5}
